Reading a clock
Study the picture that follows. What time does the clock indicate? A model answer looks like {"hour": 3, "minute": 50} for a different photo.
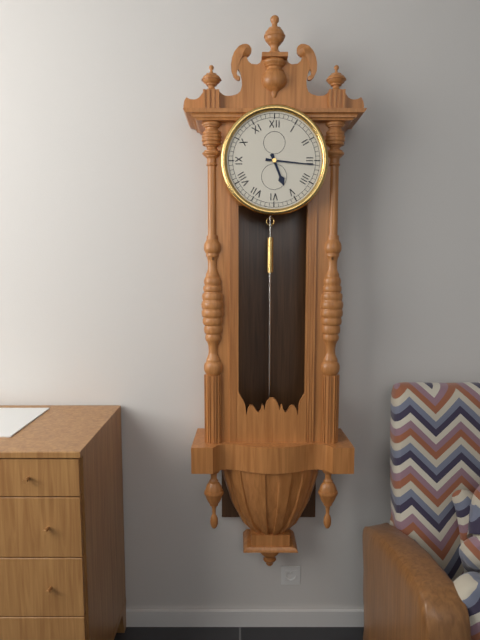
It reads {"hour": 5, "minute": 16}
